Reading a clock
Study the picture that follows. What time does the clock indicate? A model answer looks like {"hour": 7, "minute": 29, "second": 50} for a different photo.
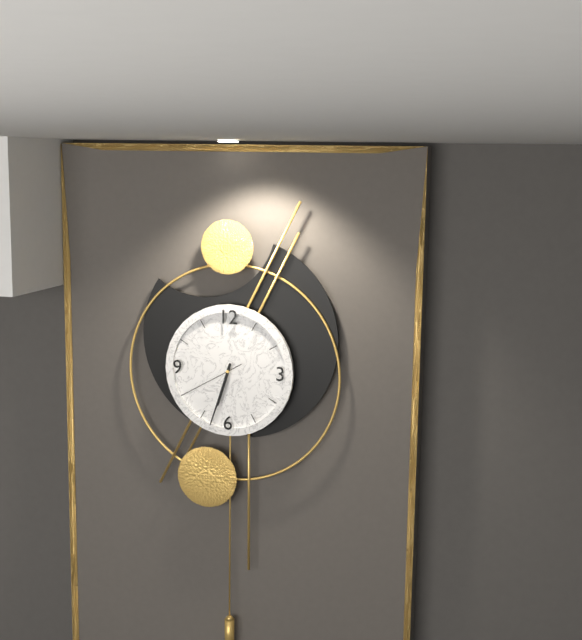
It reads {"hour": 6, "minute": 33, "second": 40}
